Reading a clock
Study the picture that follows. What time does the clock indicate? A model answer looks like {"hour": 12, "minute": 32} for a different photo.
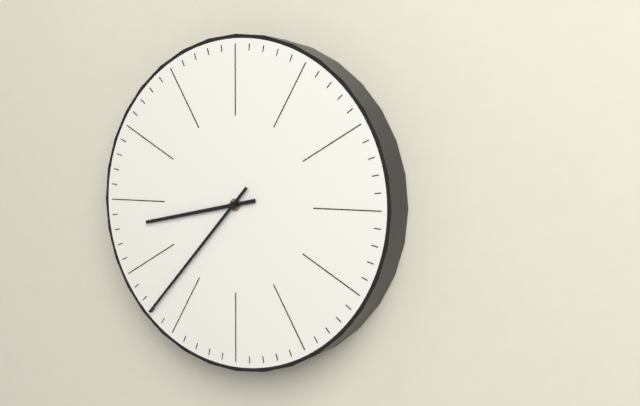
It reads {"hour": 8, "minute": 37}
